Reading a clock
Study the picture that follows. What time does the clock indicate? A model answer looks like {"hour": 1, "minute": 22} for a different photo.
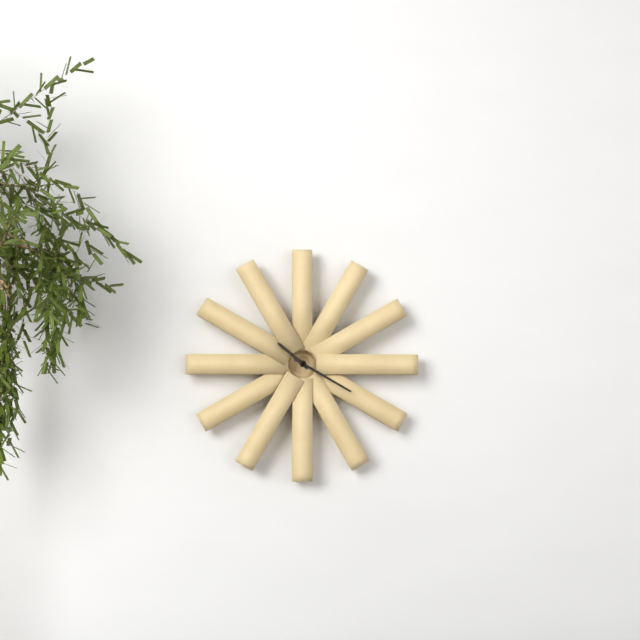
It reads {"hour": 10, "minute": 20}
